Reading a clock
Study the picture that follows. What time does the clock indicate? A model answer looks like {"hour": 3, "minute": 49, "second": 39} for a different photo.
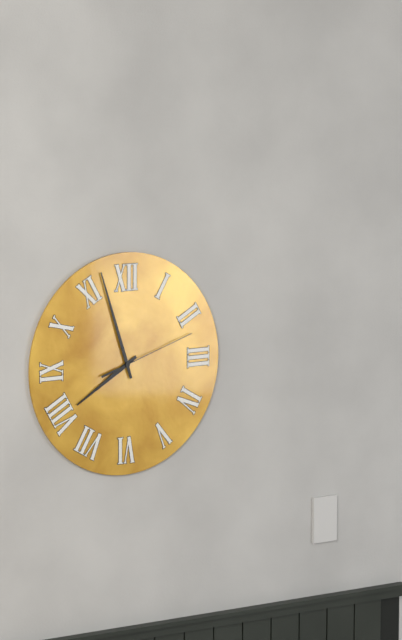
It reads {"hour": 7, "minute": 57, "second": 12}
